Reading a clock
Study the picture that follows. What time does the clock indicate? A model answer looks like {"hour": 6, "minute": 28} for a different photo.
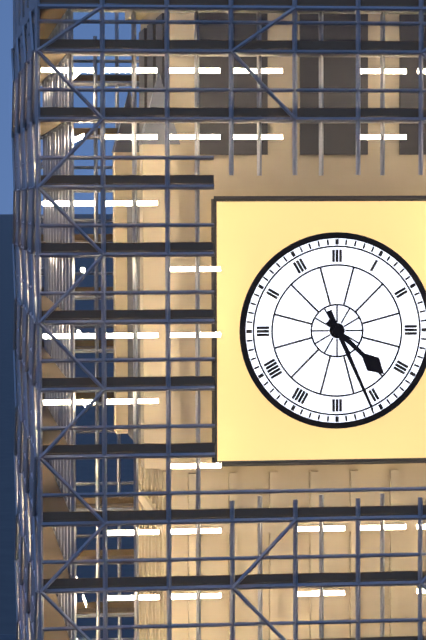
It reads {"hour": 4, "minute": 26}
